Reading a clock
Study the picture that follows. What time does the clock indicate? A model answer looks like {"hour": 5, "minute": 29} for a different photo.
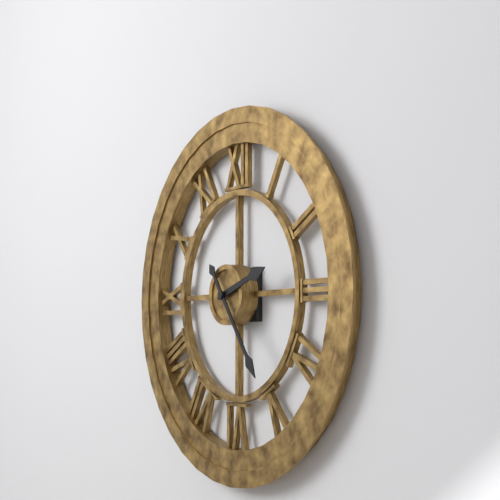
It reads {"hour": 2, "minute": 24}
